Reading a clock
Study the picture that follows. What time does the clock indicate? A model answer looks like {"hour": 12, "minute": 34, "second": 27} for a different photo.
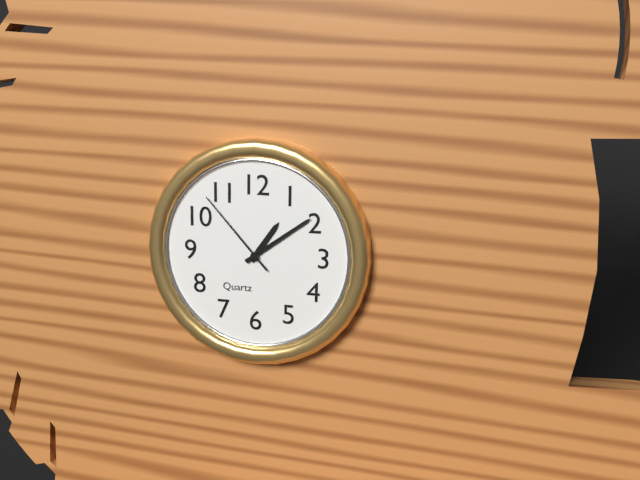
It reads {"hour": 1, "minute": 9, "second": 53}
